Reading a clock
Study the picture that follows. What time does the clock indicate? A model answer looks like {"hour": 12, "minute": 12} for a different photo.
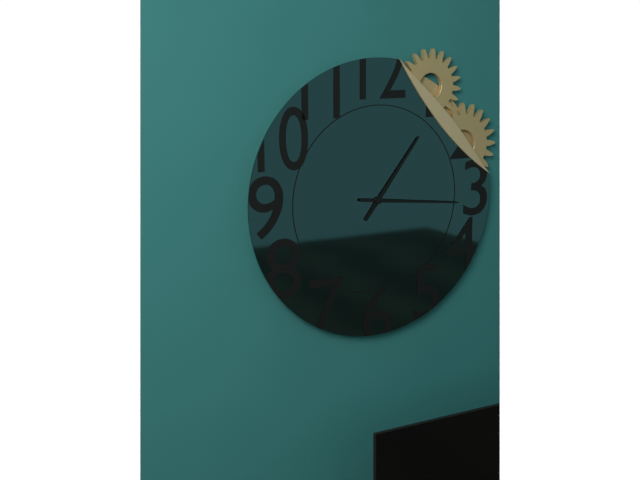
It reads {"hour": 1, "minute": 16}
